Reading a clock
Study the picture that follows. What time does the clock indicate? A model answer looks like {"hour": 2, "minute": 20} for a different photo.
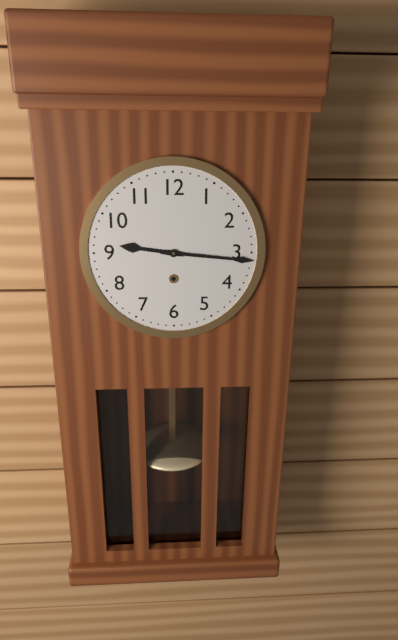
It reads {"hour": 9, "minute": 16}
